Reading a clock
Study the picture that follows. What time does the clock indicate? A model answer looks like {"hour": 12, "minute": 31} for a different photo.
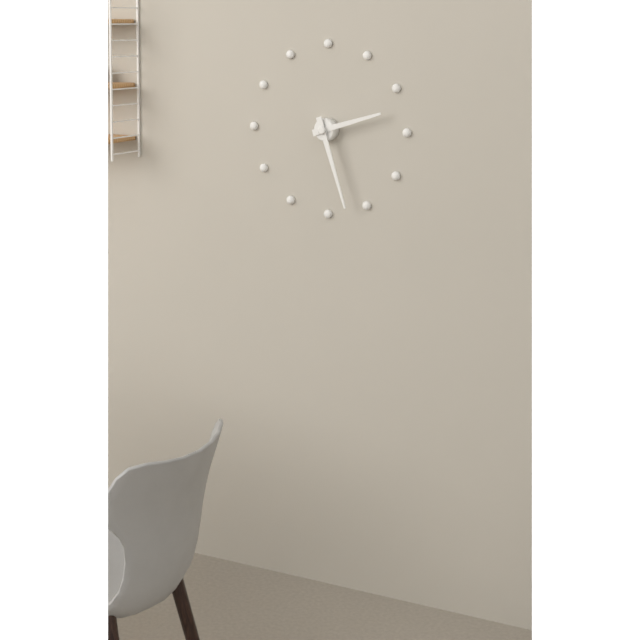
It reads {"hour": 2, "minute": 27}
